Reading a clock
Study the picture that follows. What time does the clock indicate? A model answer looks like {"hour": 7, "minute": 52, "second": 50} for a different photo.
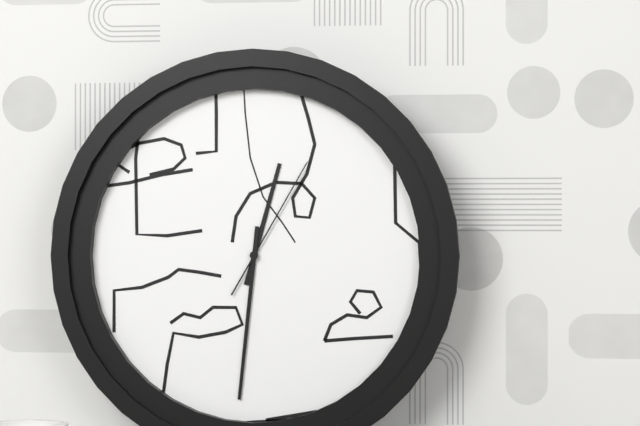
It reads {"hour": 12, "minute": 31, "second": 5}
